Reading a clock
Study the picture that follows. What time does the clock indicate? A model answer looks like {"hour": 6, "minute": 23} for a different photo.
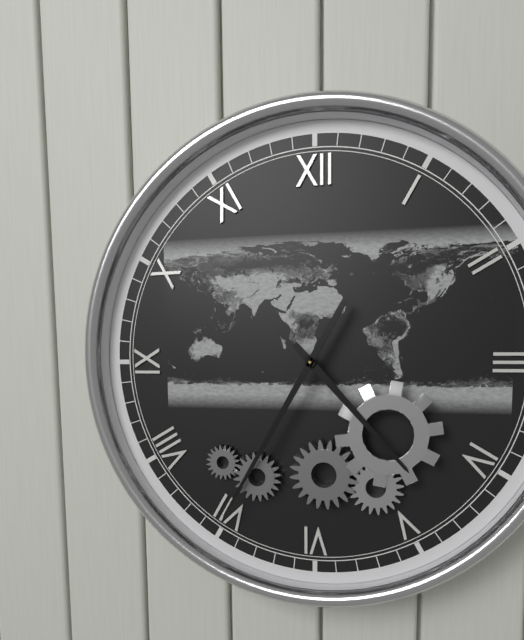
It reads {"hour": 4, "minute": 35}
